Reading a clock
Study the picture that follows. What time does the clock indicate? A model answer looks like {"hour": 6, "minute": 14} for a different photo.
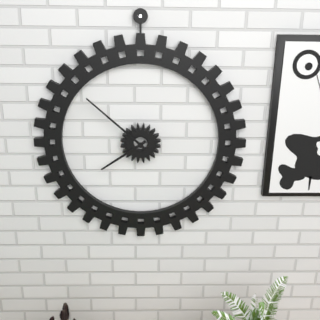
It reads {"hour": 7, "minute": 52}
